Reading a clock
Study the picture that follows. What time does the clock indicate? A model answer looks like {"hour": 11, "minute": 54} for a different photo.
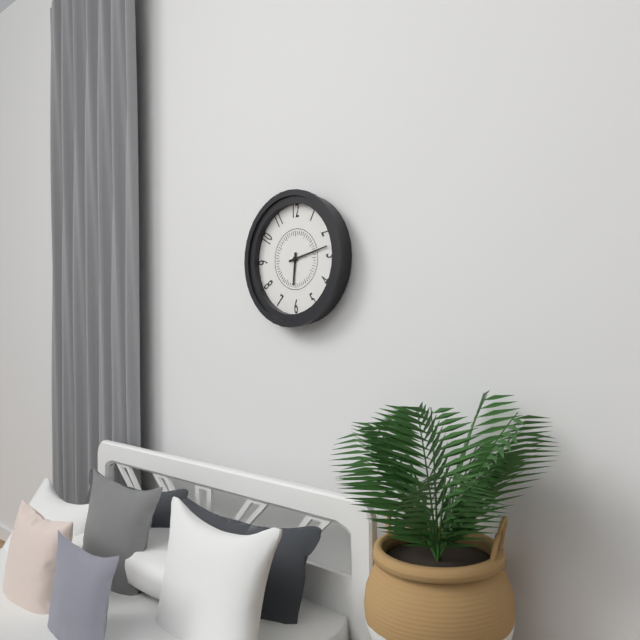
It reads {"hour": 6, "minute": 13}
